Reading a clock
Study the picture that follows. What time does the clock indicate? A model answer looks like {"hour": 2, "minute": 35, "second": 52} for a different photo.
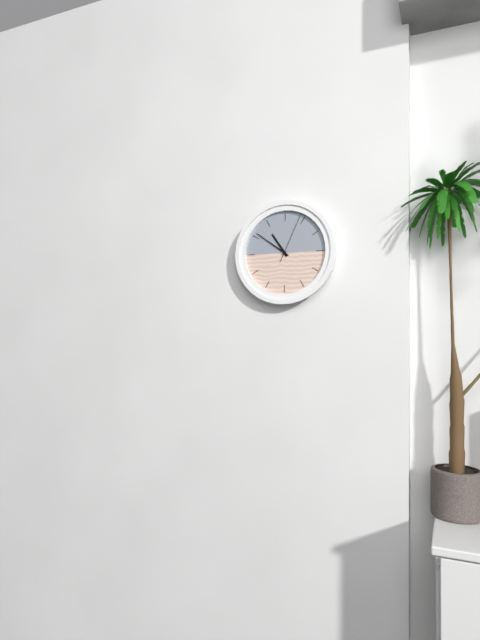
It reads {"hour": 10, "minute": 51, "second": 4}
